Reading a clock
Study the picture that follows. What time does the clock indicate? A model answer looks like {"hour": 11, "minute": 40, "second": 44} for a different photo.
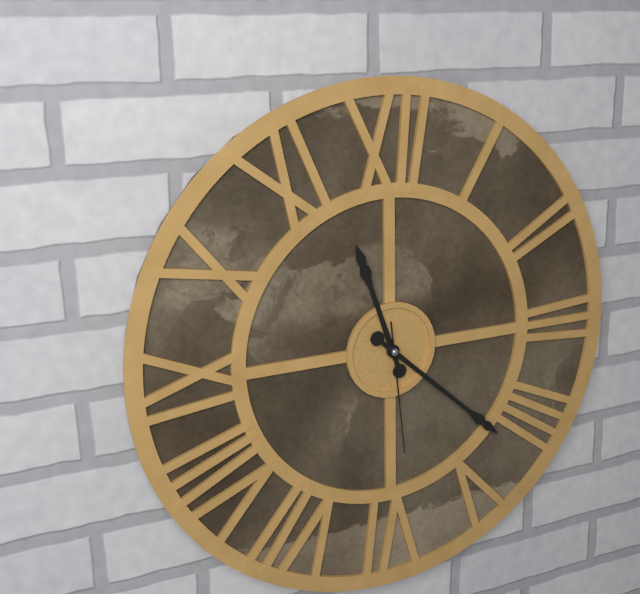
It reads {"hour": 11, "minute": 22, "second": 29}
